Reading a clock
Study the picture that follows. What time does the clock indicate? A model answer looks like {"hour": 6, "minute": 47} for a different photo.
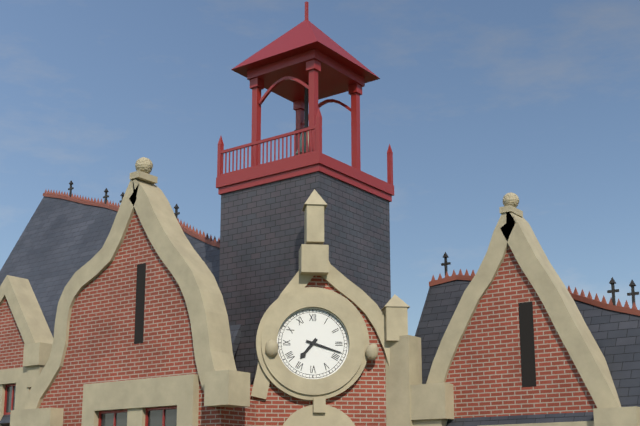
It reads {"hour": 7, "minute": 18}
